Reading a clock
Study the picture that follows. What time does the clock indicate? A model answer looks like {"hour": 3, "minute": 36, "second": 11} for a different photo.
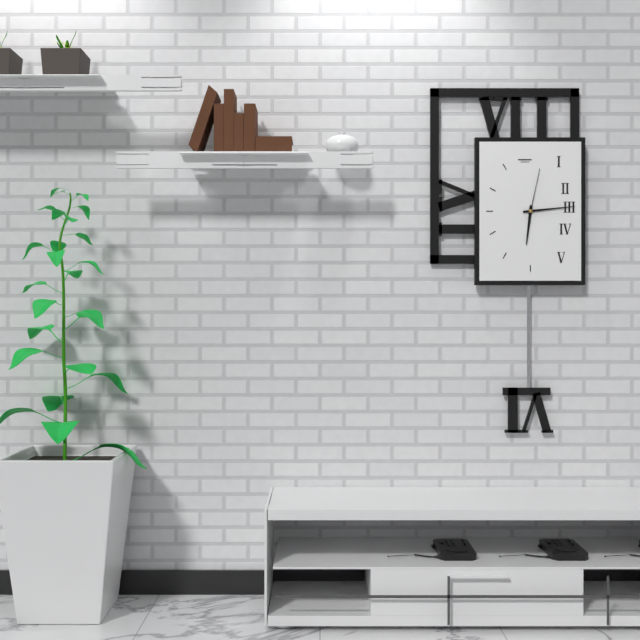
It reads {"hour": 6, "minute": 14, "second": 2}
